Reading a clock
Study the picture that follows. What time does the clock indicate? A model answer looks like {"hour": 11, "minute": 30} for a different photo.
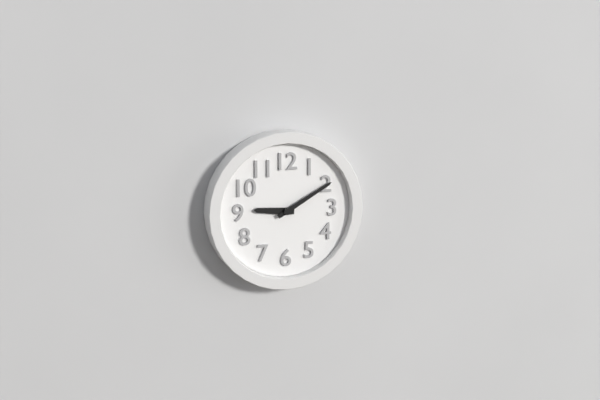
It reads {"hour": 9, "minute": 10}
